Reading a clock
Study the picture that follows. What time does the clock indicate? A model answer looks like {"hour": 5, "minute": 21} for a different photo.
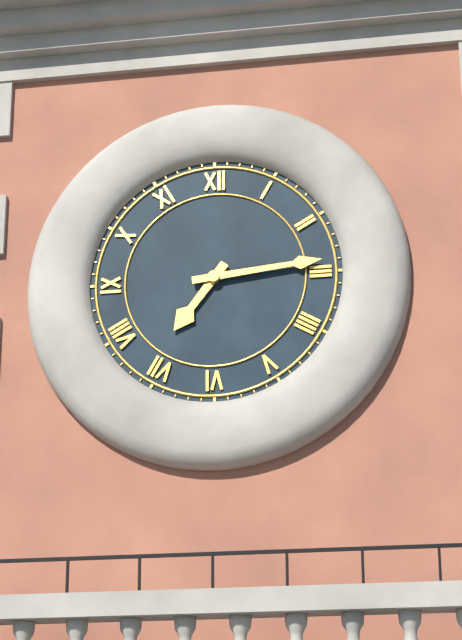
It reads {"hour": 7, "minute": 14}
